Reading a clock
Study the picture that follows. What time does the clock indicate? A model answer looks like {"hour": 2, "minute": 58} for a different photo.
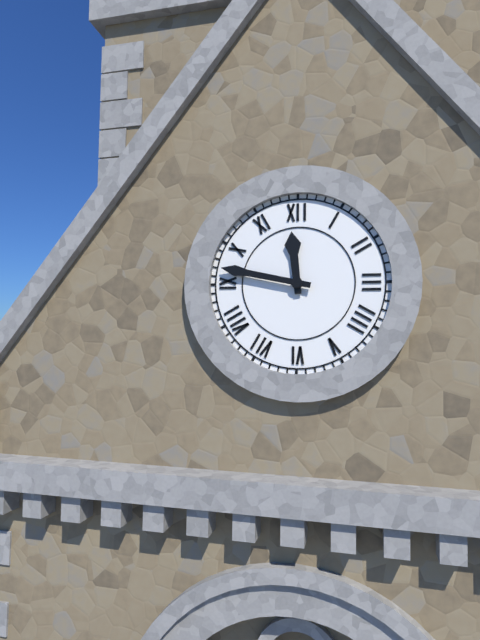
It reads {"hour": 11, "minute": 47}
